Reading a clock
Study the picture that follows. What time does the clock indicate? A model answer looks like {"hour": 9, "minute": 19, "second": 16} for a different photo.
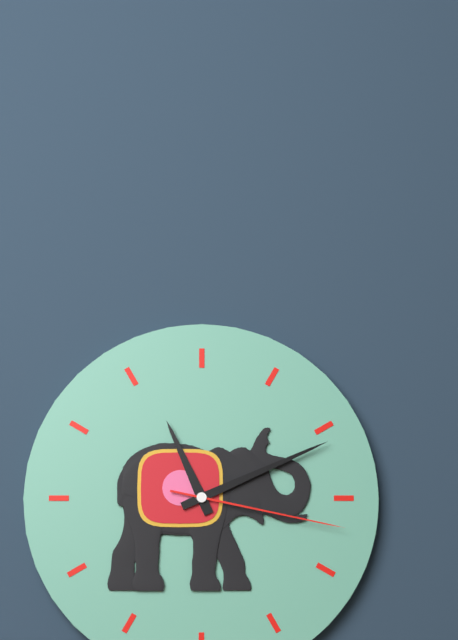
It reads {"hour": 11, "minute": 11, "second": 17}
